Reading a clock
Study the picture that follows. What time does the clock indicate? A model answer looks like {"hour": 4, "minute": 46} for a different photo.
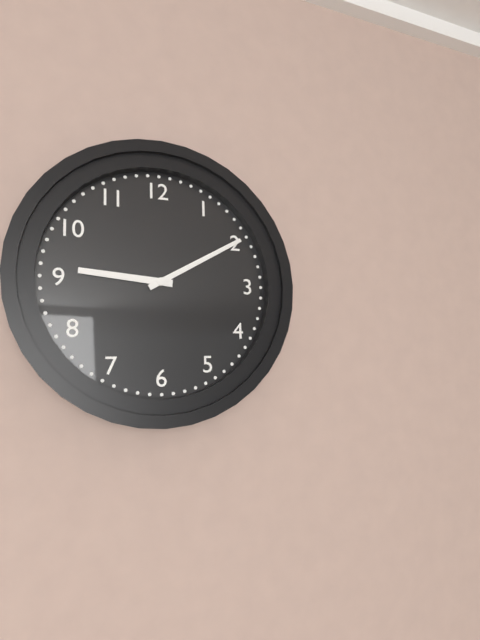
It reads {"hour": 9, "minute": 10}
